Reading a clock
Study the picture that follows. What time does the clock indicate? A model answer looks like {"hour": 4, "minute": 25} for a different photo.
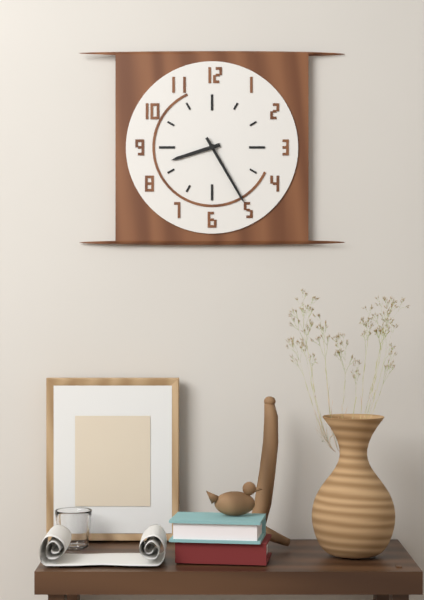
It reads {"hour": 8, "minute": 25}
